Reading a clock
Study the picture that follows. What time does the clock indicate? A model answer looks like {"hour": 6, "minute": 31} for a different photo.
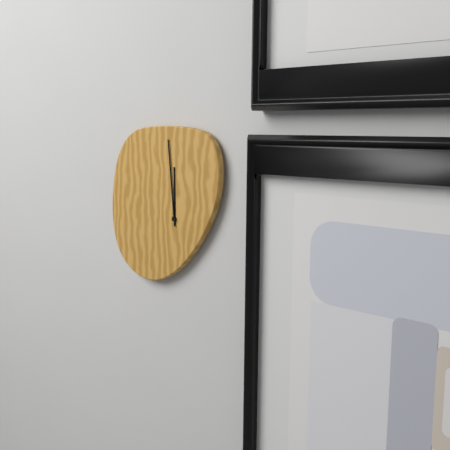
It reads {"hour": 11, "minute": 59}
